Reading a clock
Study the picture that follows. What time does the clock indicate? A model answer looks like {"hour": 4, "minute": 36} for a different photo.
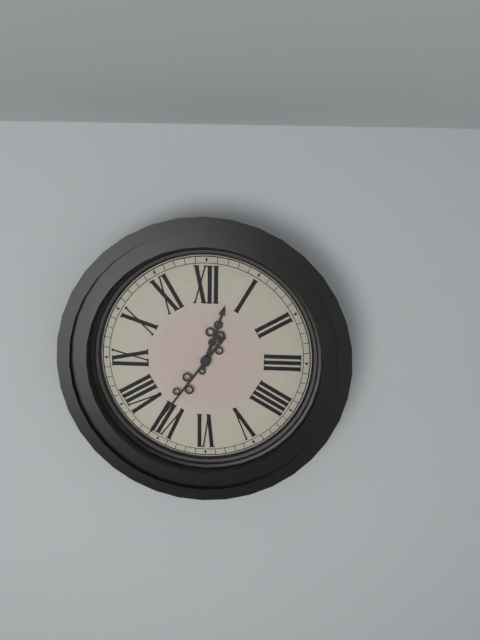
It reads {"hour": 12, "minute": 36}
